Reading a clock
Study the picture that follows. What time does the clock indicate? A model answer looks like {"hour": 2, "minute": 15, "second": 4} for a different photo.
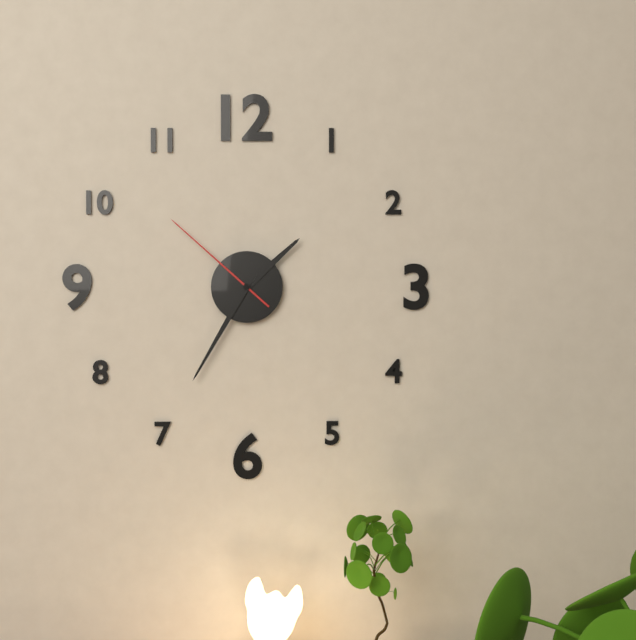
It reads {"hour": 1, "minute": 35, "second": 52}
